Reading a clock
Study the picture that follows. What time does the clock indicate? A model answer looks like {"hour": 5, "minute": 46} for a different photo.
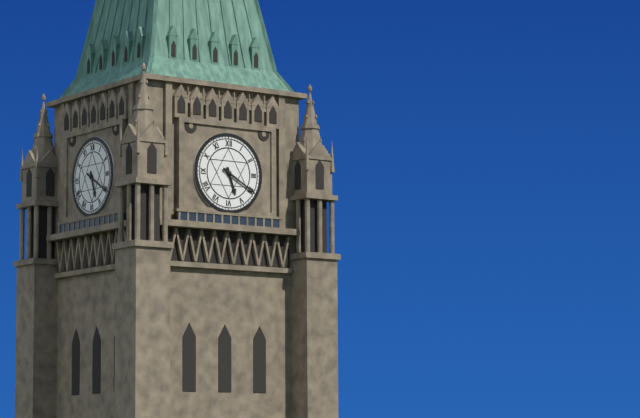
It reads {"hour": 5, "minute": 20}
